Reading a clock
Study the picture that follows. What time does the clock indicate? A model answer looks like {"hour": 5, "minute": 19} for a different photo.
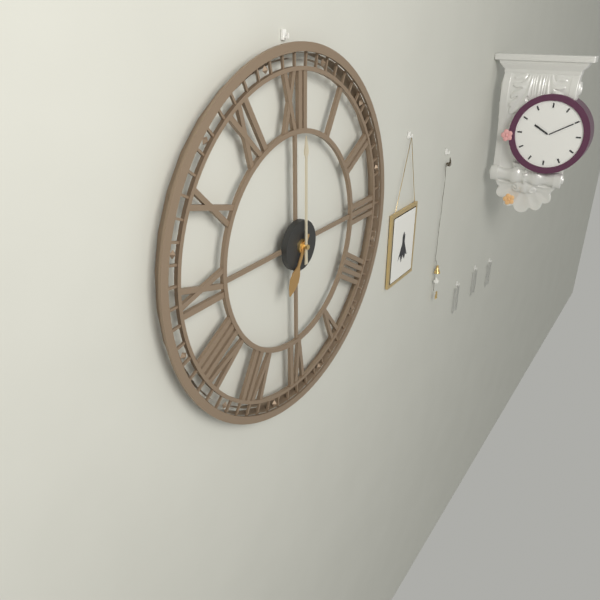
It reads {"hour": 7, "minute": 0}
